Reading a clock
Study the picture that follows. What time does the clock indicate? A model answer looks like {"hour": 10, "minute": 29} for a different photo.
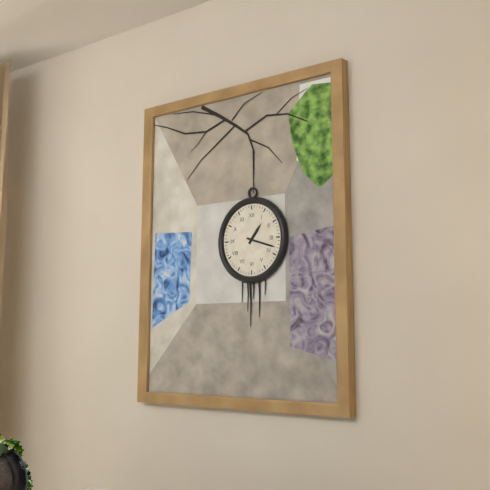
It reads {"hour": 1, "minute": 18}
